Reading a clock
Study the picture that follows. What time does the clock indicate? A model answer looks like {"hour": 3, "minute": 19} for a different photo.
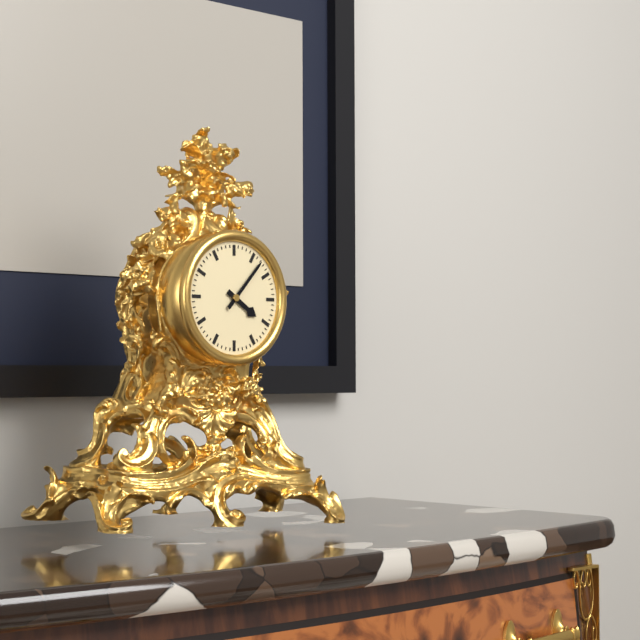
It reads {"hour": 4, "minute": 7}
